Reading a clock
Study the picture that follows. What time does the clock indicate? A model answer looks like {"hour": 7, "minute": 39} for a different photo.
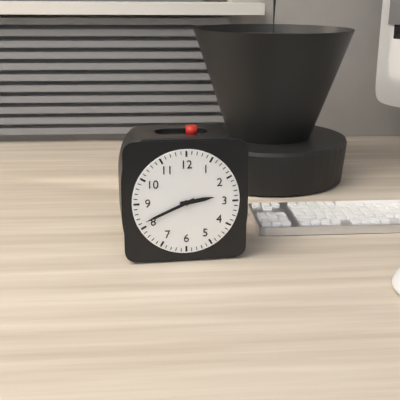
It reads {"hour": 2, "minute": 41}
